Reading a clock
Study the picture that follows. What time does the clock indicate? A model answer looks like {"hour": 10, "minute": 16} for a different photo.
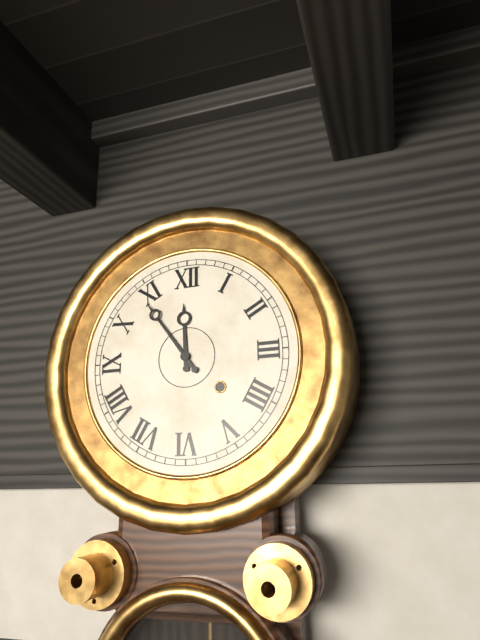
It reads {"hour": 11, "minute": 54}
